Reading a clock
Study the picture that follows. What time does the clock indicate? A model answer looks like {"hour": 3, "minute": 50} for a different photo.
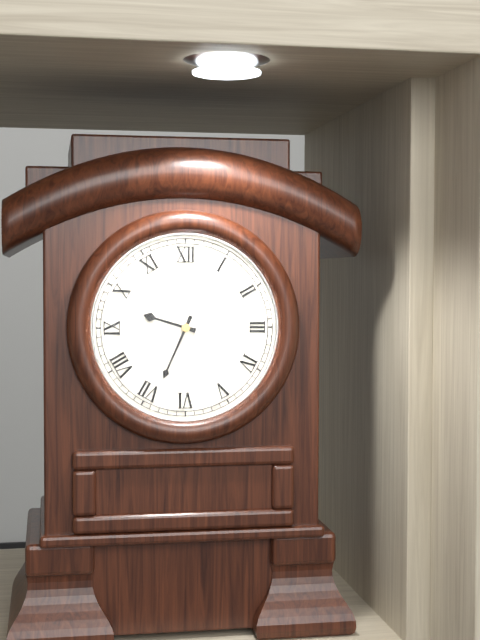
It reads {"hour": 9, "minute": 34}
